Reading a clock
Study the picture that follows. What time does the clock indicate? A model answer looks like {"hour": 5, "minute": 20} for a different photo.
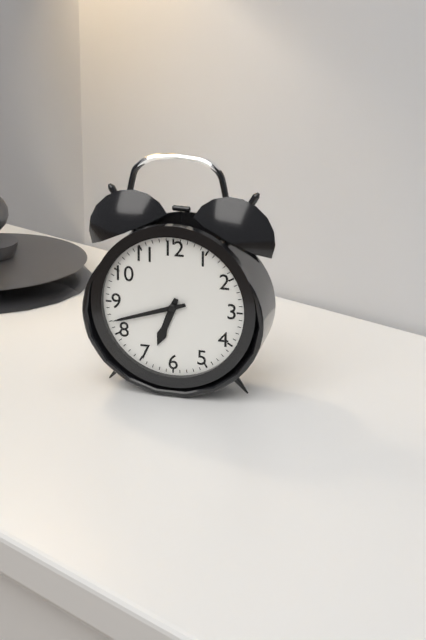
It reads {"hour": 6, "minute": 42}
